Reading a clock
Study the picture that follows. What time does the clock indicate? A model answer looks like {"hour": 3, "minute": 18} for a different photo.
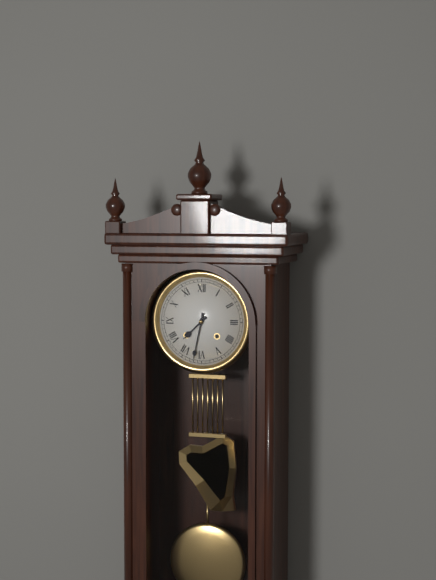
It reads {"hour": 7, "minute": 32}
